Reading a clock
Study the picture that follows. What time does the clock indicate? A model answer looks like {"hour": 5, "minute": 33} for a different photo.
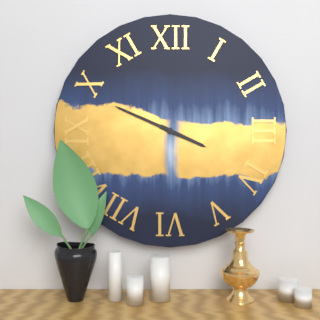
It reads {"hour": 3, "minute": 49}
